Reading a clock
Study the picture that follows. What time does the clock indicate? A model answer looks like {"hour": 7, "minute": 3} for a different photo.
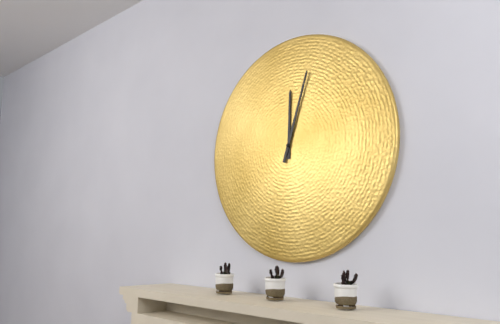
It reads {"hour": 12, "minute": 3}
